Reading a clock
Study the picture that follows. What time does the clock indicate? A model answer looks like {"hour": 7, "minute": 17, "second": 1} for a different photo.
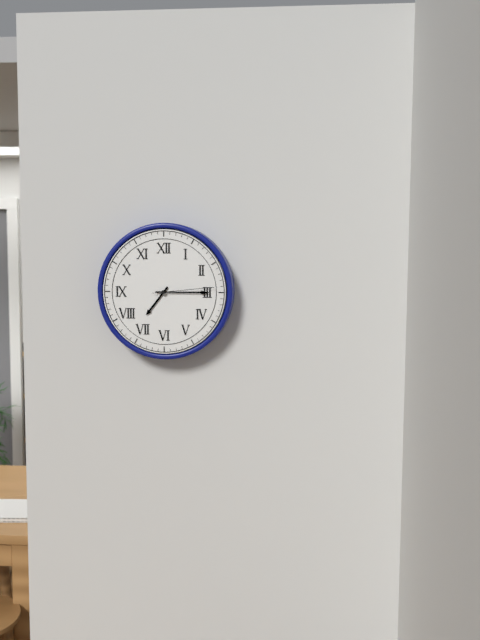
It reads {"hour": 7, "minute": 15, "second": 14}
